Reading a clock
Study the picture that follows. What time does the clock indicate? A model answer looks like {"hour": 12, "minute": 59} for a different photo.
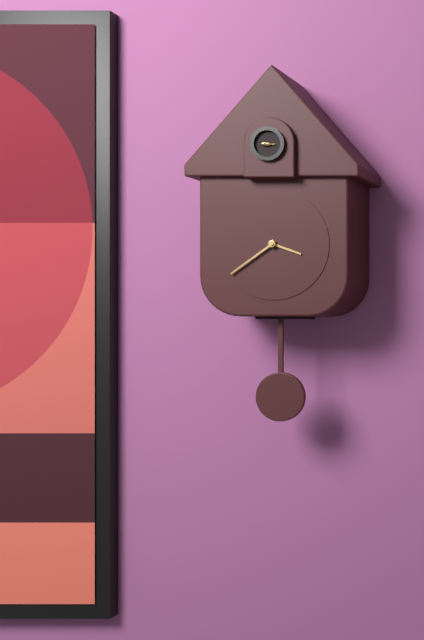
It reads {"hour": 3, "minute": 39}
